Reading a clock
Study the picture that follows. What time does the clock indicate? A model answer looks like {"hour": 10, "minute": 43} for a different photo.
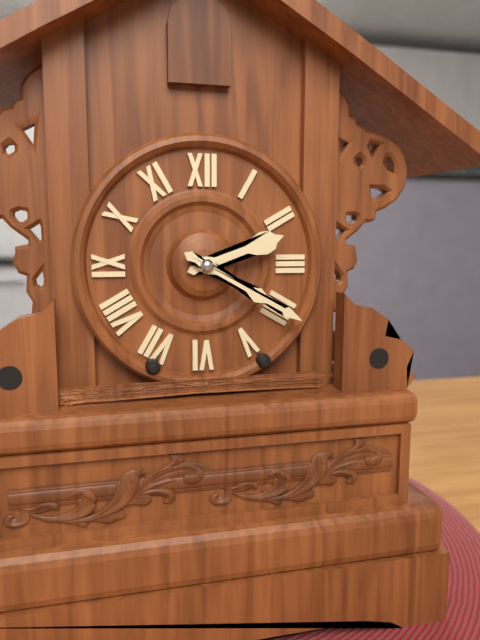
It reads {"hour": 2, "minute": 20}
